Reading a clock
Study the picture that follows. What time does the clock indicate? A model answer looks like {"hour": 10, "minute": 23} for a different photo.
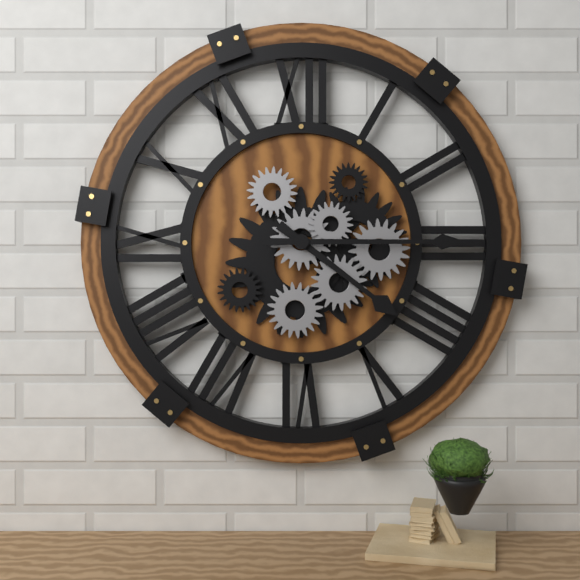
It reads {"hour": 4, "minute": 15}
